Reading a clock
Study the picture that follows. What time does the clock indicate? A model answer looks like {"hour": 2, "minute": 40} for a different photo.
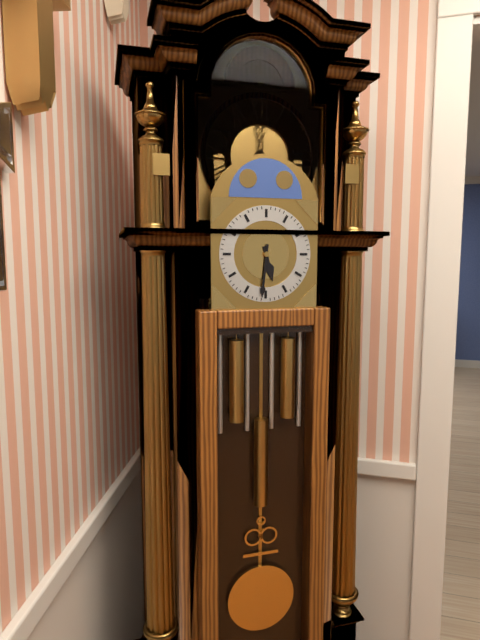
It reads {"hour": 5, "minute": 31}
